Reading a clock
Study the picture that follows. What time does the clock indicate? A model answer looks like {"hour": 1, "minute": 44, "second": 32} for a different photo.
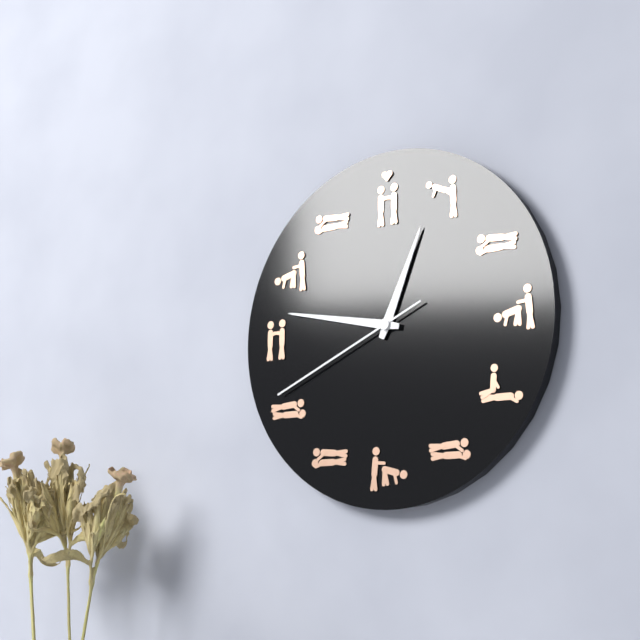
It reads {"hour": 12, "minute": 47, "second": 41}
